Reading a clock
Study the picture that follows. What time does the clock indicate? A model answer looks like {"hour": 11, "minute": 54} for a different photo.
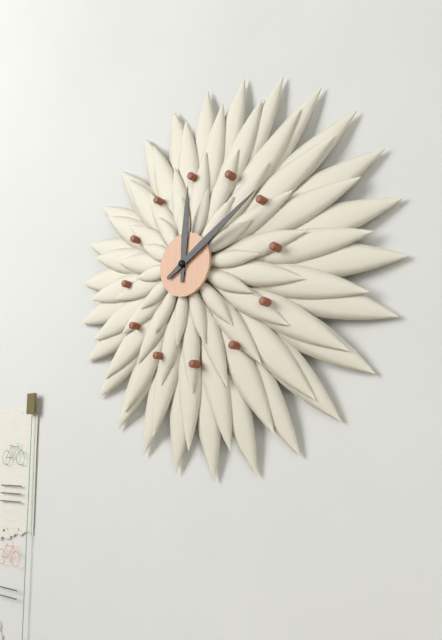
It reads {"hour": 12, "minute": 10}
